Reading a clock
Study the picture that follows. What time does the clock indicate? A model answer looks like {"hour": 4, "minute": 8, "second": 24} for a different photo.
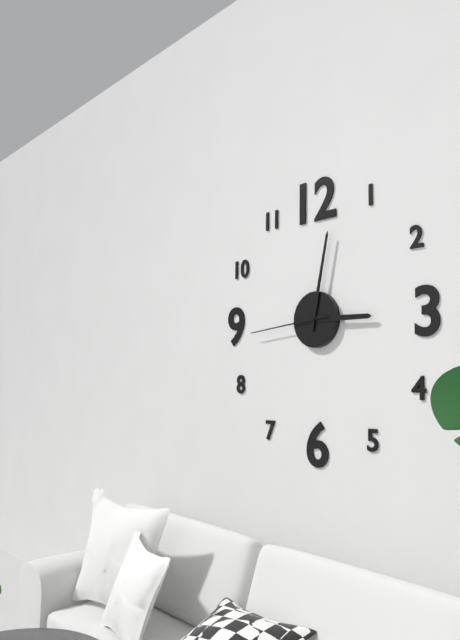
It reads {"hour": 3, "minute": 2, "second": 44}
